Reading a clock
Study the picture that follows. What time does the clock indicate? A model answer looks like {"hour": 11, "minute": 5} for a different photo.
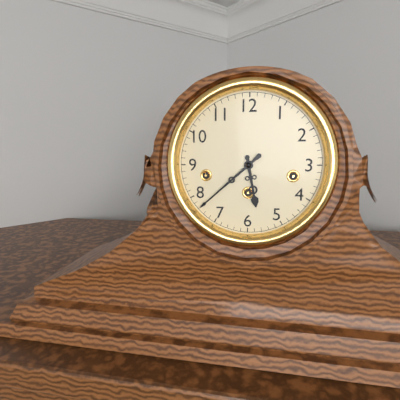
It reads {"hour": 5, "minute": 38}
